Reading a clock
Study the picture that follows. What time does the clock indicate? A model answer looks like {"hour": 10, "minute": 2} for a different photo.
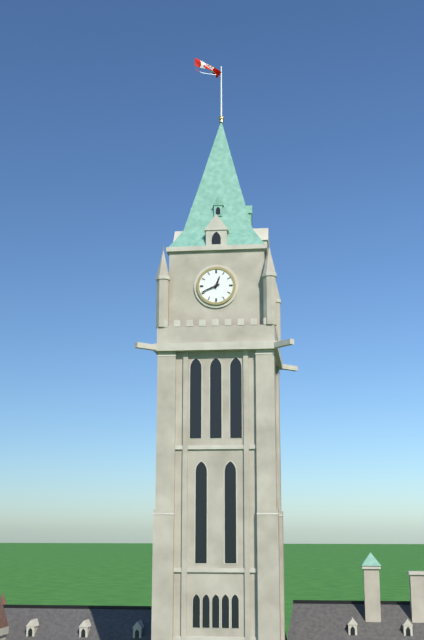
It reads {"hour": 12, "minute": 41}
